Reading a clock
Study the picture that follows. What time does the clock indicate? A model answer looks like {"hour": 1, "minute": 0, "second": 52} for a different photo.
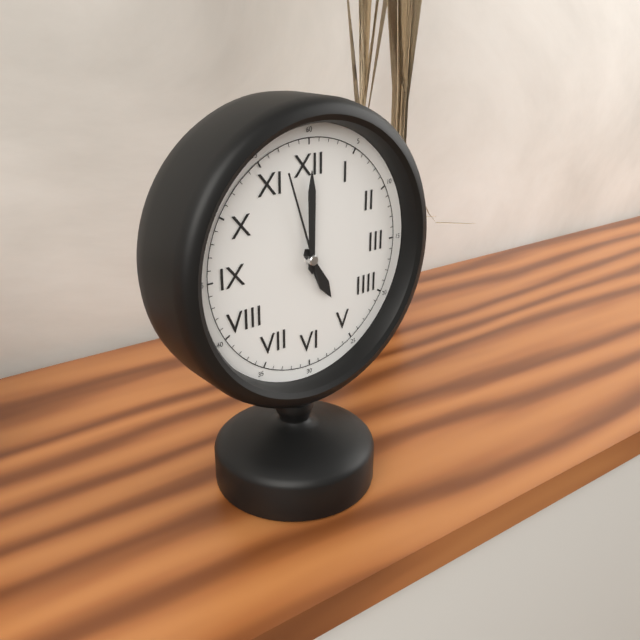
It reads {"hour": 5, "minute": 0, "second": 57}
